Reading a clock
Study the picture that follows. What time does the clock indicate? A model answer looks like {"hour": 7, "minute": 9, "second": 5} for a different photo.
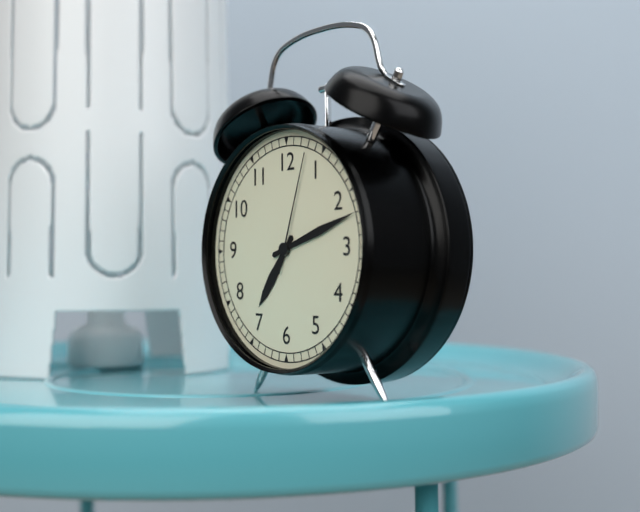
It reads {"hour": 7, "minute": 12, "second": 3}
